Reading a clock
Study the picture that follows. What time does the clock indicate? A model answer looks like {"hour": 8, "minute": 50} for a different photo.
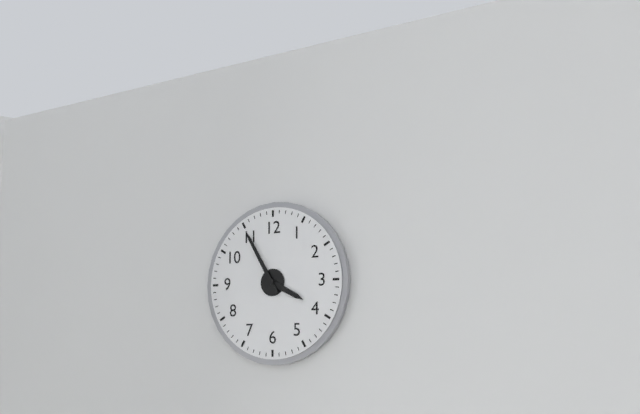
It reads {"hour": 3, "minute": 55}
